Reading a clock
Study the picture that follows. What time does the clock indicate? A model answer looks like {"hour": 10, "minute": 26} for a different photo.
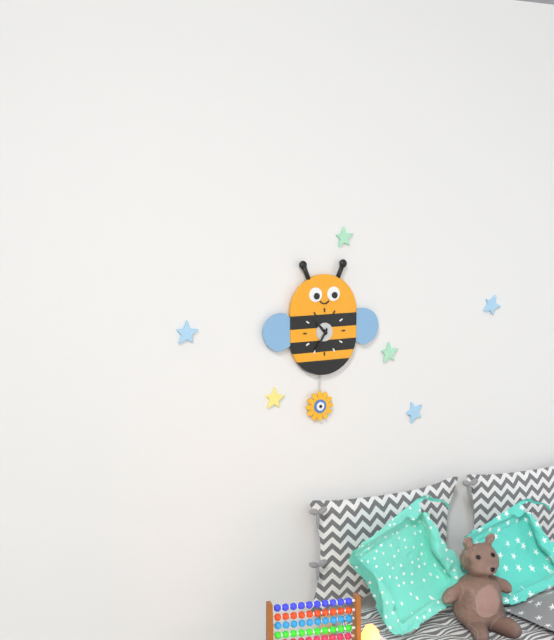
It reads {"hour": 10, "minute": 35}
